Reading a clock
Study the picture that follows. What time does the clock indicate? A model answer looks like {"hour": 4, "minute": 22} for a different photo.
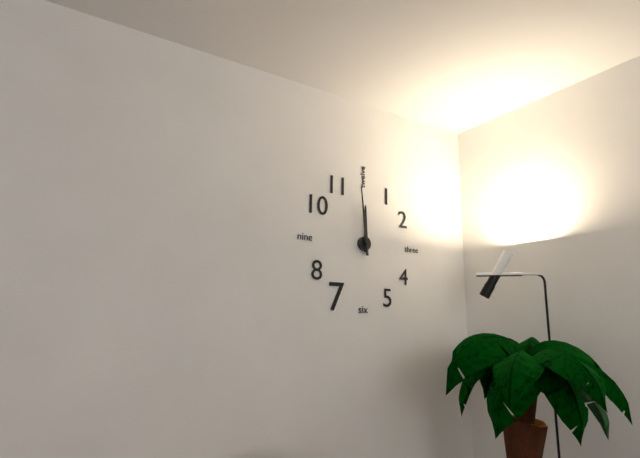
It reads {"hour": 11, "minute": 59}
